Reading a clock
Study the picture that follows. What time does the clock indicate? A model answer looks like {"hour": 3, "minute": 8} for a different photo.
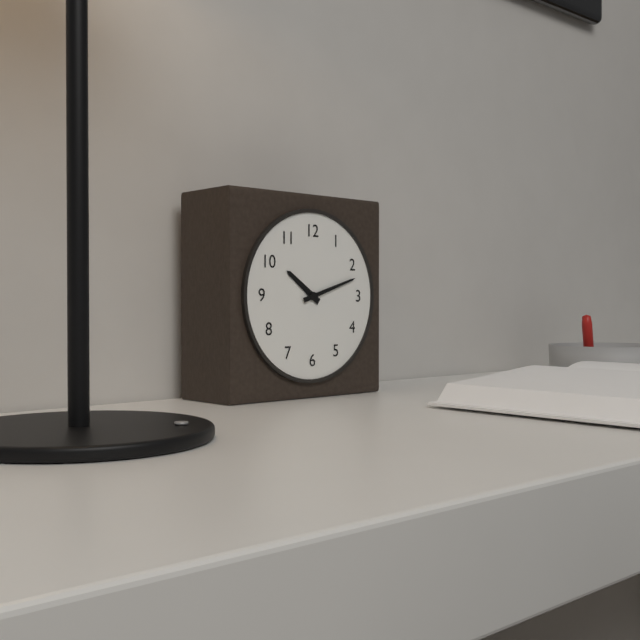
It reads {"hour": 10, "minute": 12}
